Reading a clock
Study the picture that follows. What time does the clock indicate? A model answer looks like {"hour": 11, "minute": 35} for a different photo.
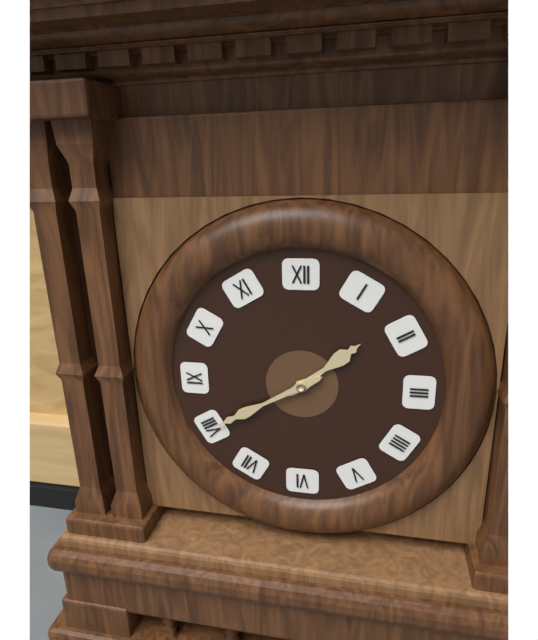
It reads {"hour": 1, "minute": 40}
